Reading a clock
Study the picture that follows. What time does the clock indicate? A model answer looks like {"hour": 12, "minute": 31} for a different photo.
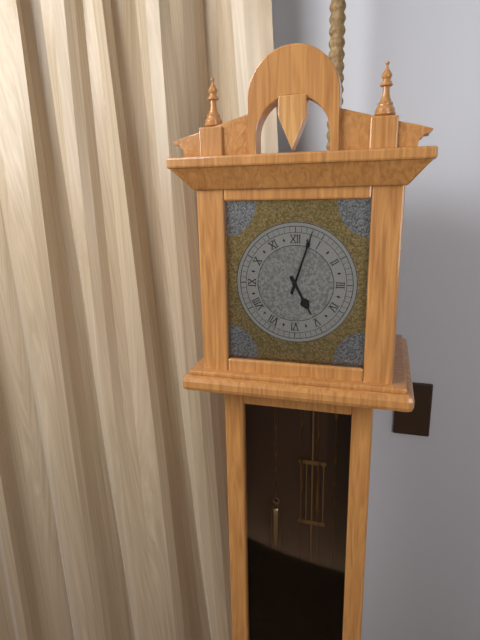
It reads {"hour": 5, "minute": 3}
